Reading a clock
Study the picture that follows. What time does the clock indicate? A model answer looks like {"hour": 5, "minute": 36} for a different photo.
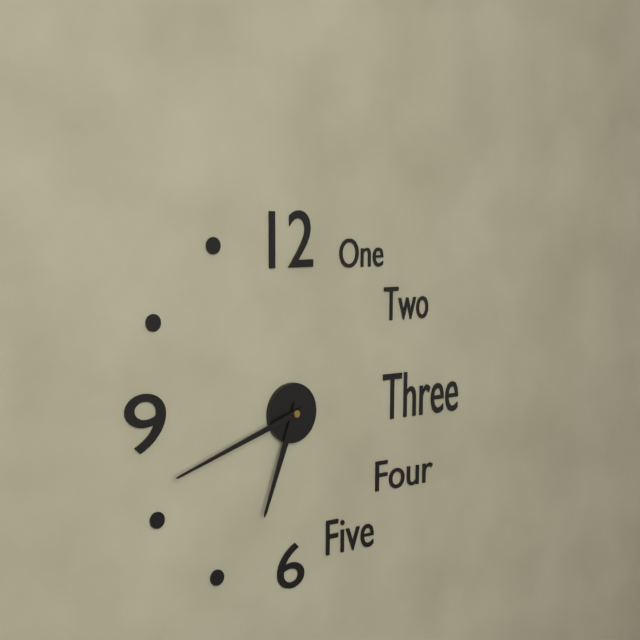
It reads {"hour": 6, "minute": 42}
